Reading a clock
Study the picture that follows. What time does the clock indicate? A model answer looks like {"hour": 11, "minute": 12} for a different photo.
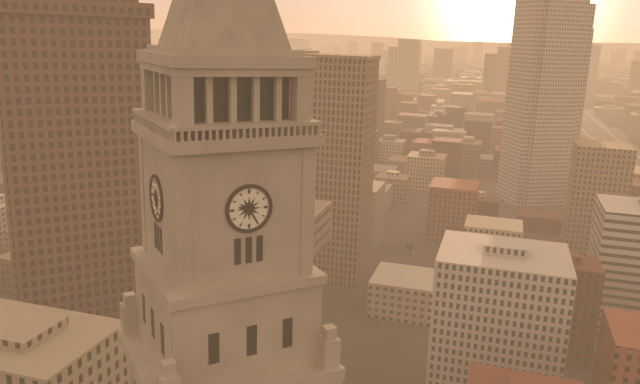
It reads {"hour": 9, "minute": 25}
